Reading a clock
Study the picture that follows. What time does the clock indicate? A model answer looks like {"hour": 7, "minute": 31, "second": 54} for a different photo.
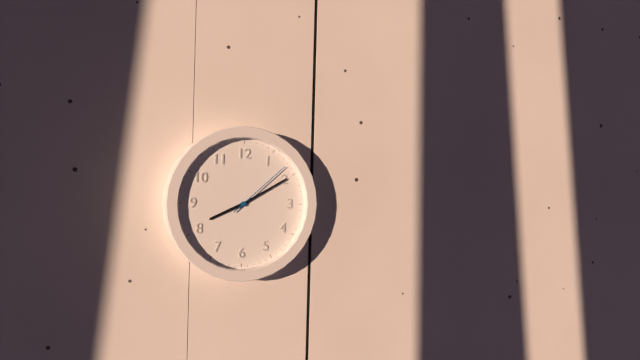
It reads {"hour": 8, "minute": 10, "second": 8}
